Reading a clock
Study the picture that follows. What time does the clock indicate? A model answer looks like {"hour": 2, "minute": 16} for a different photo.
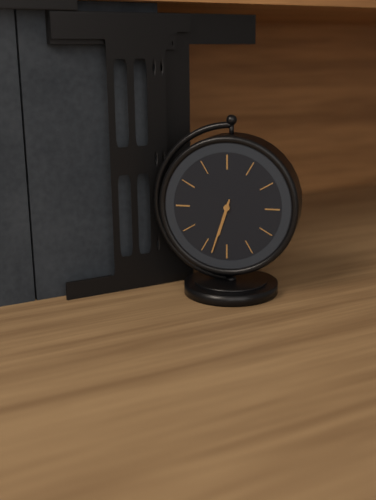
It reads {"hour": 6, "minute": 33}
